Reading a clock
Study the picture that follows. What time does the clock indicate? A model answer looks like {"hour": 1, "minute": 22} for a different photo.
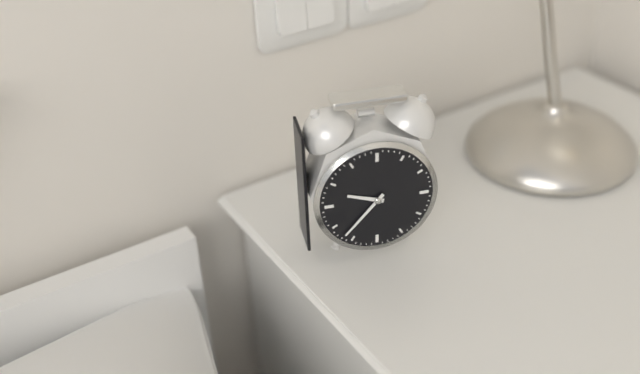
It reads {"hour": 9, "minute": 37}
